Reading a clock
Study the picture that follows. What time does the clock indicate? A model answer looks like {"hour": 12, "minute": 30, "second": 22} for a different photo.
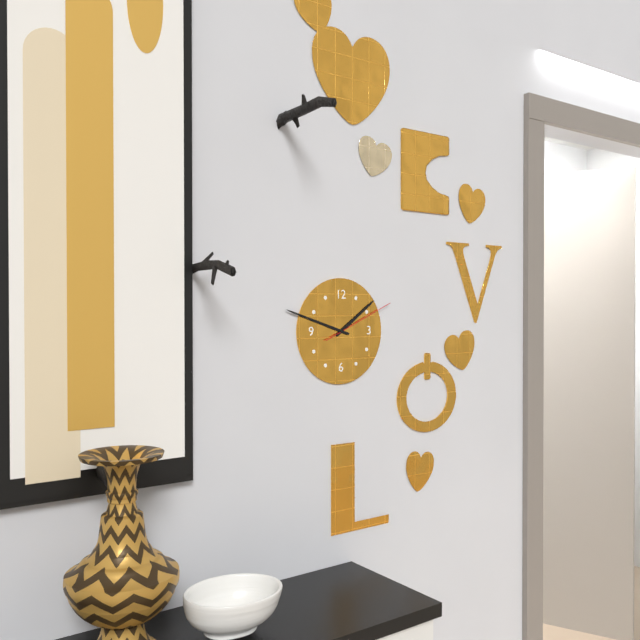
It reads {"hour": 1, "minute": 48, "second": 11}
